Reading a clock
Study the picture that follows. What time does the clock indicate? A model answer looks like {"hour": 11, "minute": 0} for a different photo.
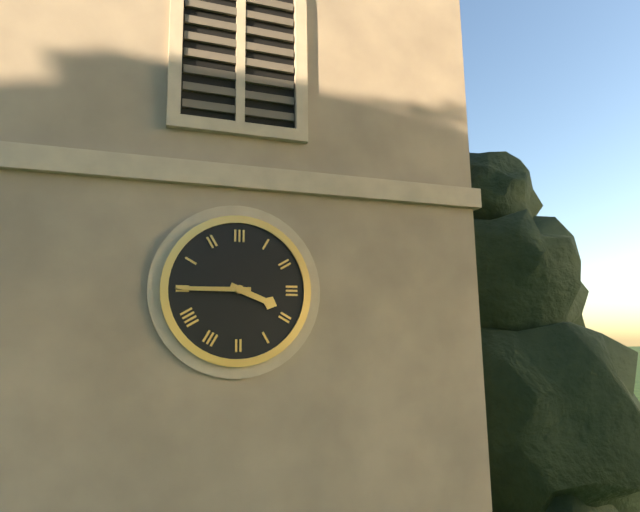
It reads {"hour": 3, "minute": 45}
